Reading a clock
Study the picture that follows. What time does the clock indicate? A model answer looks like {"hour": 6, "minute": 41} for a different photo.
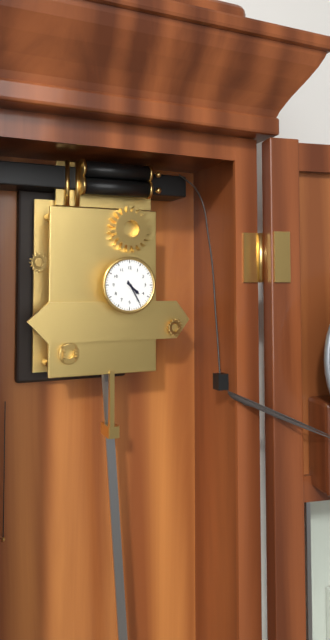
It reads {"hour": 4, "minute": 25}
